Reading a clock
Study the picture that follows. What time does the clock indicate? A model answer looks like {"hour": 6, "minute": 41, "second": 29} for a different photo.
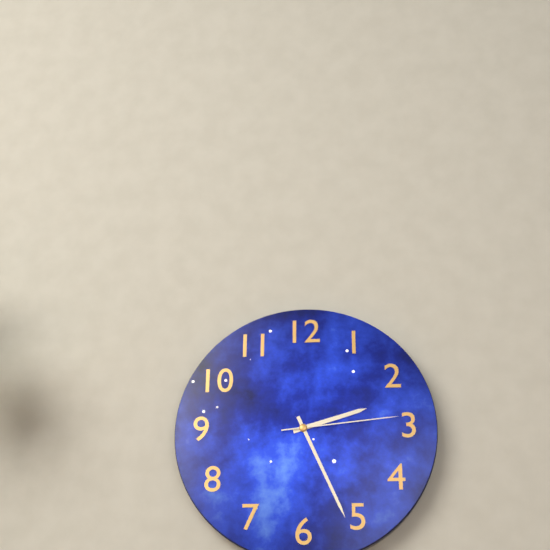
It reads {"hour": 2, "minute": 26, "second": 14}
